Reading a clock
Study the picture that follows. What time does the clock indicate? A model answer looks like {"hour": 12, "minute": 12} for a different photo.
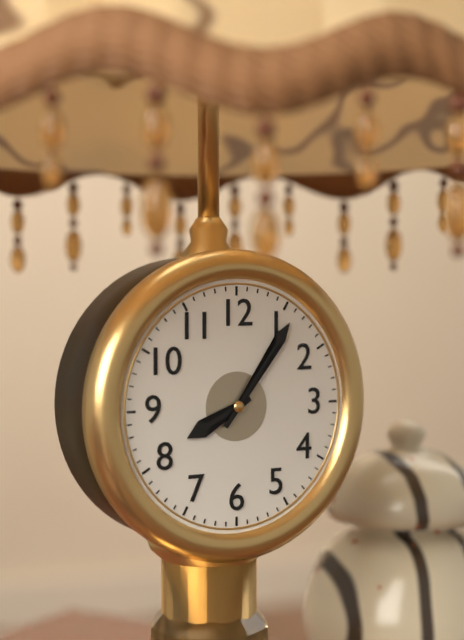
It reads {"hour": 8, "minute": 6}
